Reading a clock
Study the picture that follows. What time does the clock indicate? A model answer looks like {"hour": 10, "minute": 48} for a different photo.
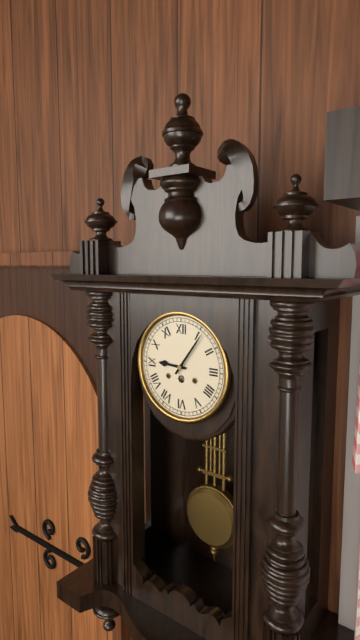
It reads {"hour": 9, "minute": 6}
